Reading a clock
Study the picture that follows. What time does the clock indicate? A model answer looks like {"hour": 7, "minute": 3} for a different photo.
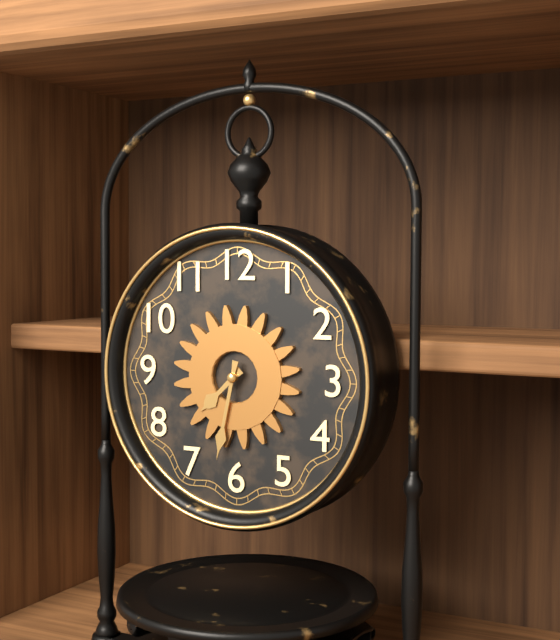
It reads {"hour": 7, "minute": 32}
